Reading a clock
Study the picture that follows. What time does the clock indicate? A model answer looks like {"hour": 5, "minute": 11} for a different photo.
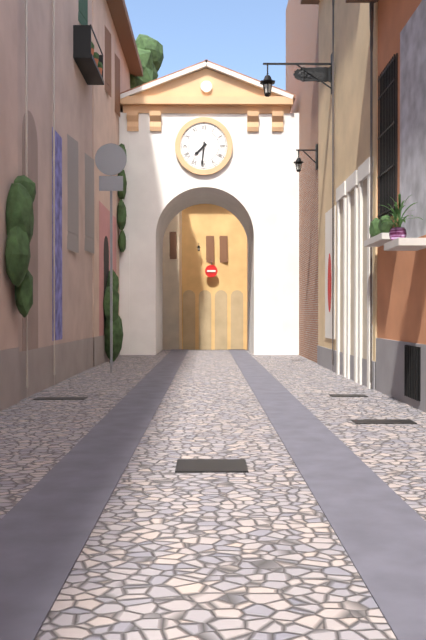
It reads {"hour": 7, "minute": 31}
